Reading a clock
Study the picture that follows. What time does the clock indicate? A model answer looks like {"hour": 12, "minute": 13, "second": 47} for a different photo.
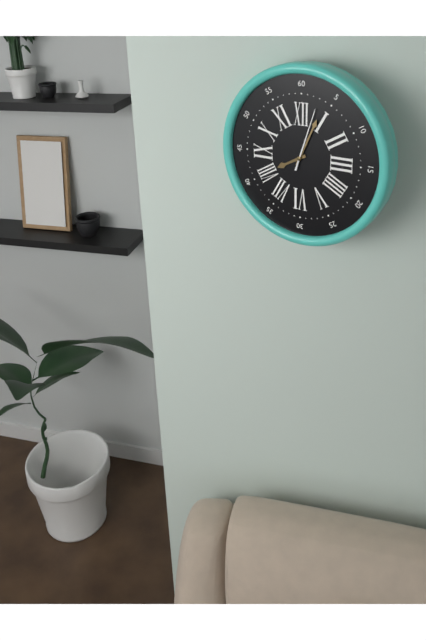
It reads {"hour": 8, "minute": 4, "second": 3}
